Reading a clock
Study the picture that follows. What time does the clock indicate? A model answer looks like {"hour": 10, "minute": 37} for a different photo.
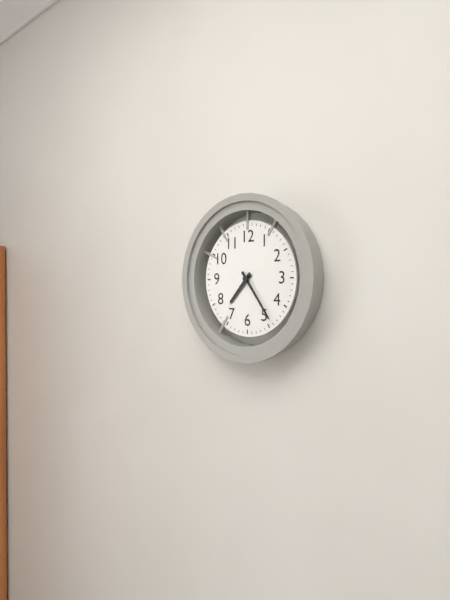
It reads {"hour": 7, "minute": 24}
